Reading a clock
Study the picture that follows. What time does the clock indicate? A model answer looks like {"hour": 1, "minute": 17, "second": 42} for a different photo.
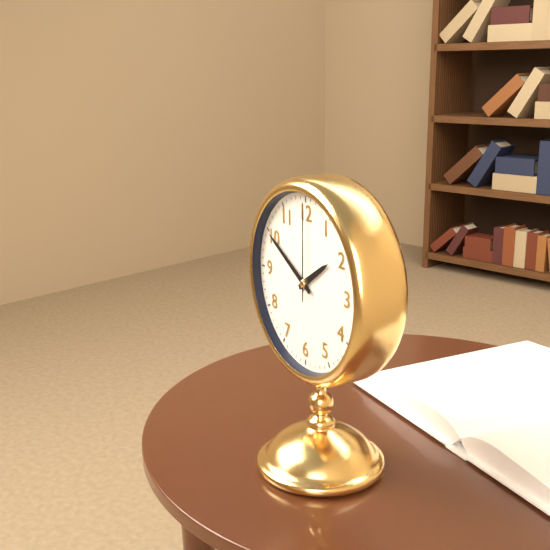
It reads {"hour": 1, "minute": 50, "second": 0}
